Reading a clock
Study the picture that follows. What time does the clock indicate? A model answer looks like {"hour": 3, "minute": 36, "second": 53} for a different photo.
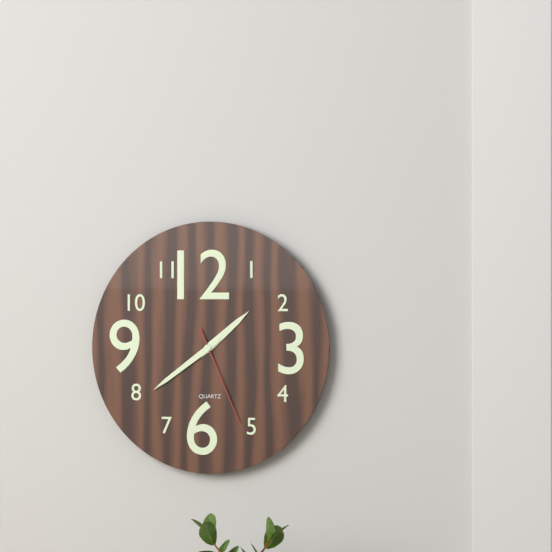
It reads {"hour": 1, "minute": 39, "second": 26}
